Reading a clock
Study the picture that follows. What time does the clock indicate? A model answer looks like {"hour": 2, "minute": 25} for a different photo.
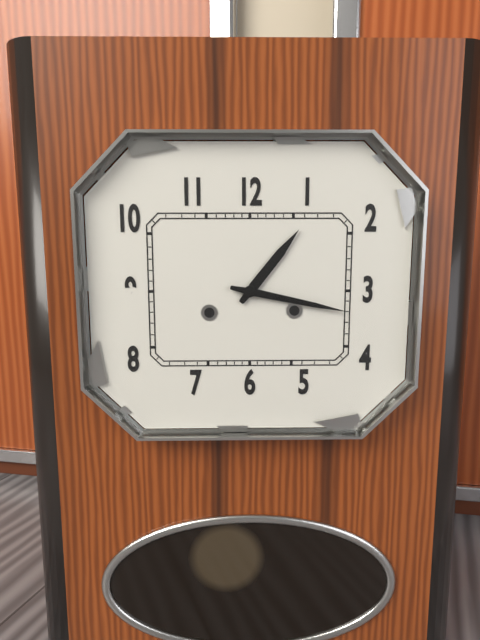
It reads {"hour": 1, "minute": 17}
